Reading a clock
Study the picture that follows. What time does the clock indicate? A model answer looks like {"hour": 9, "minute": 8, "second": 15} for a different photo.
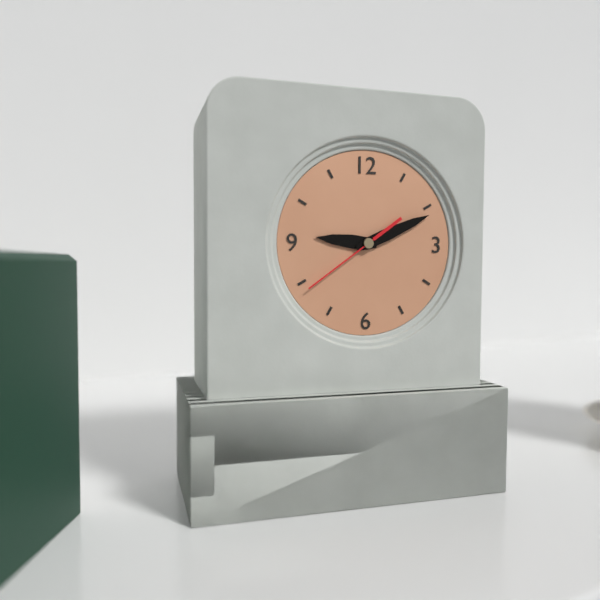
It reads {"hour": 9, "minute": 11, "second": 39}
